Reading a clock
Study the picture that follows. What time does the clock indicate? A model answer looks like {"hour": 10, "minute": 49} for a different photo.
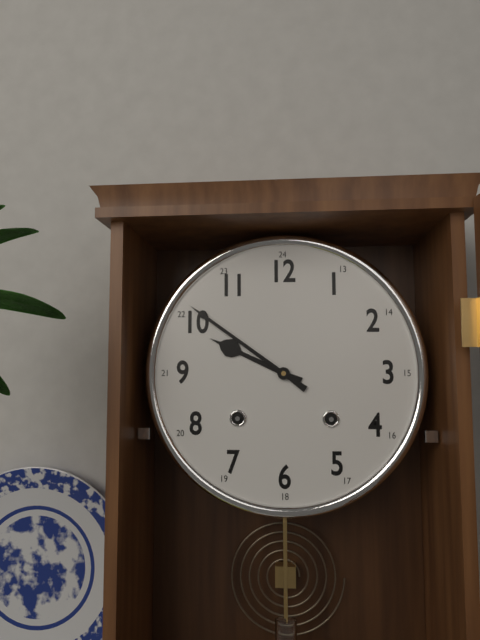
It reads {"hour": 9, "minute": 51}
